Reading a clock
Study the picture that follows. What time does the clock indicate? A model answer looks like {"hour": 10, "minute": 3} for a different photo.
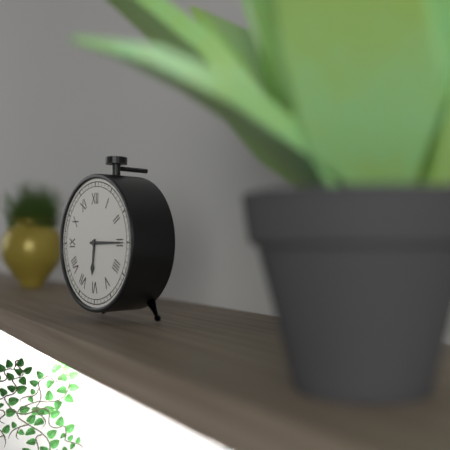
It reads {"hour": 6, "minute": 15}
